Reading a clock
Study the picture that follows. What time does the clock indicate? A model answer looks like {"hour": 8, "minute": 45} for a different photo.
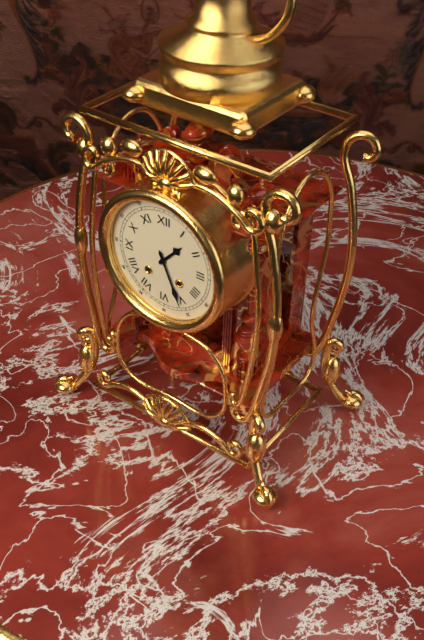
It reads {"hour": 1, "minute": 26}
